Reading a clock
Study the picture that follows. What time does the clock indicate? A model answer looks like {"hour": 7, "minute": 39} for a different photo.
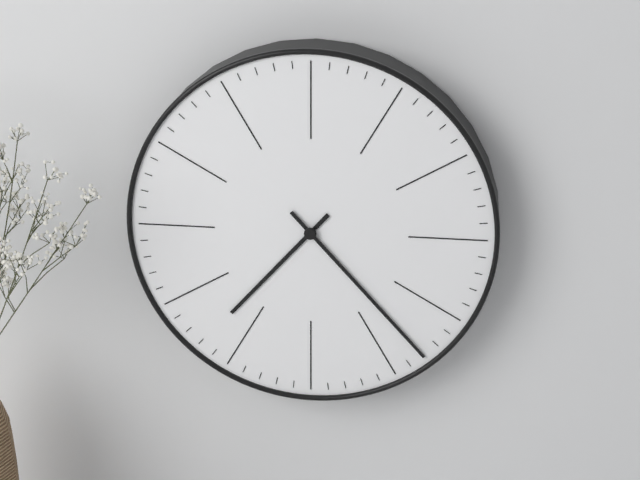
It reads {"hour": 7, "minute": 23}
